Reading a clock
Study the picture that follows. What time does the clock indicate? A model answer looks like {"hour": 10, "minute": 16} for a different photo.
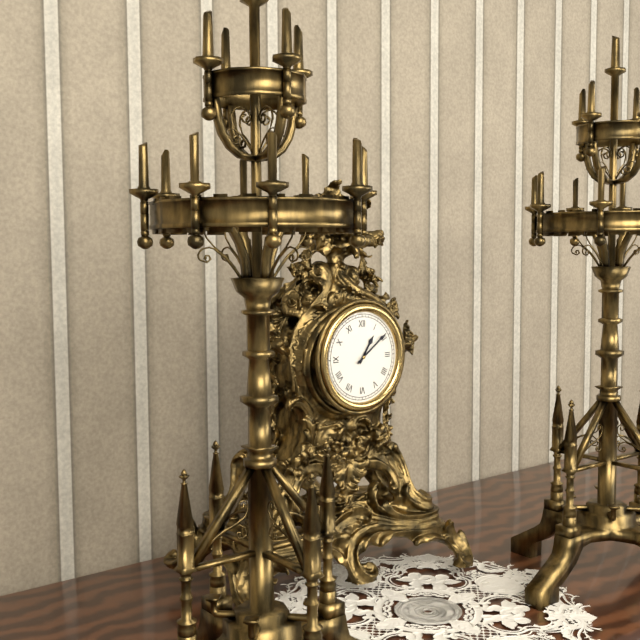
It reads {"hour": 1, "minute": 9}
